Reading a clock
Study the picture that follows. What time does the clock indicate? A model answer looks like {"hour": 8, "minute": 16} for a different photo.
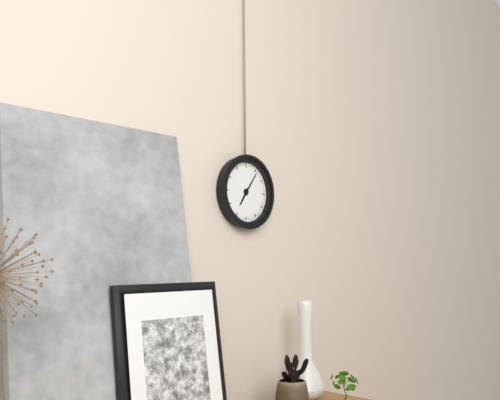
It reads {"hour": 7, "minute": 6}
